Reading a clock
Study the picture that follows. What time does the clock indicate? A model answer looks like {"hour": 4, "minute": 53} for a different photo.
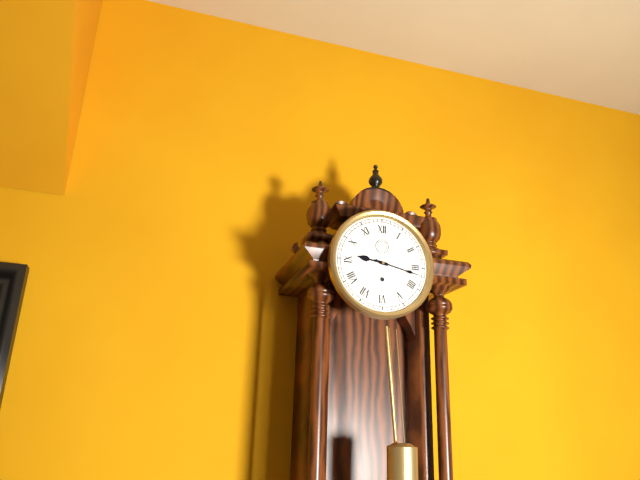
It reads {"hour": 9, "minute": 17}
